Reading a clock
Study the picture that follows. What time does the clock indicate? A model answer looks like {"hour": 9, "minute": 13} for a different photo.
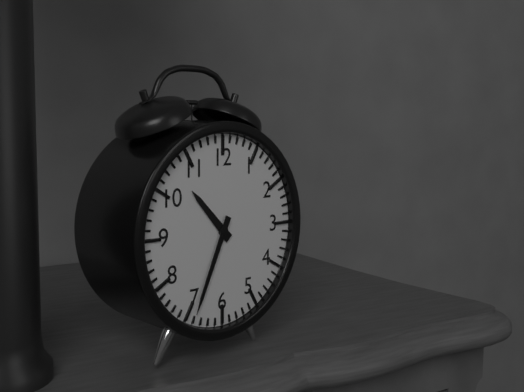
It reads {"hour": 10, "minute": 34}
